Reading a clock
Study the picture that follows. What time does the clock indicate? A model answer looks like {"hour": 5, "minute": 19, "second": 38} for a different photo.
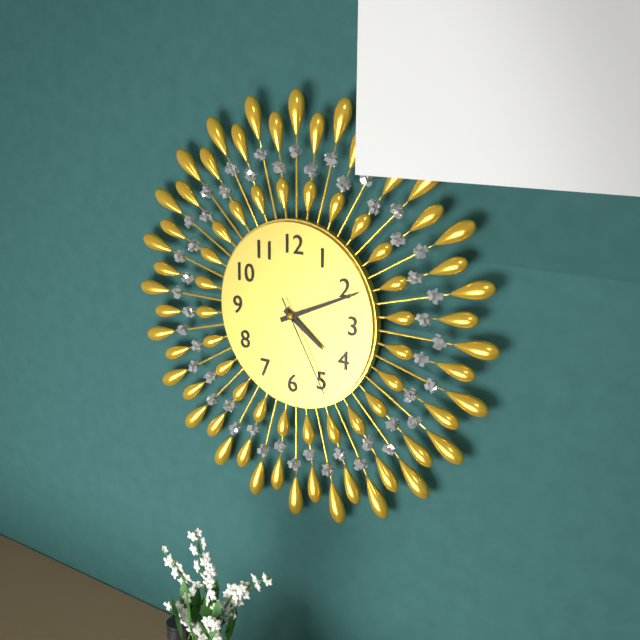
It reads {"hour": 4, "minute": 11, "second": 25}
